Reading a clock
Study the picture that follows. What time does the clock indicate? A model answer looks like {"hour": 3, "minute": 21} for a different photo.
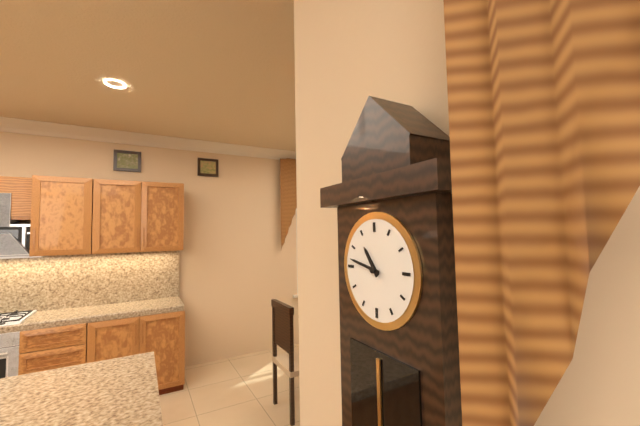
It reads {"hour": 10, "minute": 47}
